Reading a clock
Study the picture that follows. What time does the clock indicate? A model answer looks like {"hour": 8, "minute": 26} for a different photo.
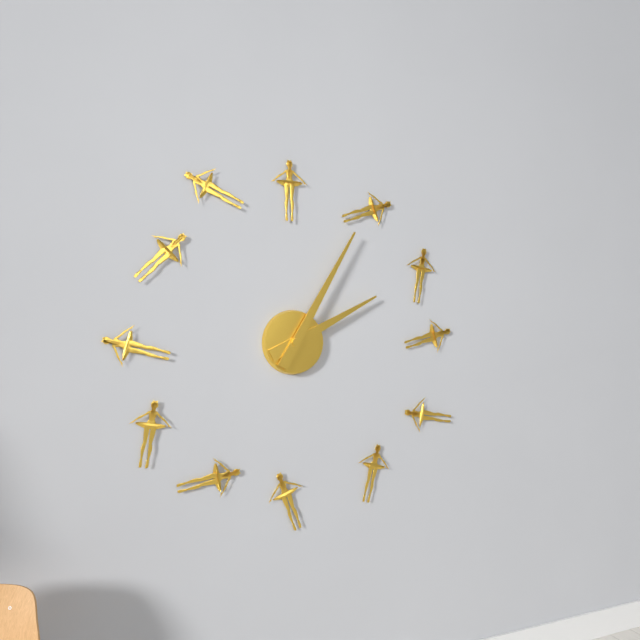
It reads {"hour": 2, "minute": 5}
